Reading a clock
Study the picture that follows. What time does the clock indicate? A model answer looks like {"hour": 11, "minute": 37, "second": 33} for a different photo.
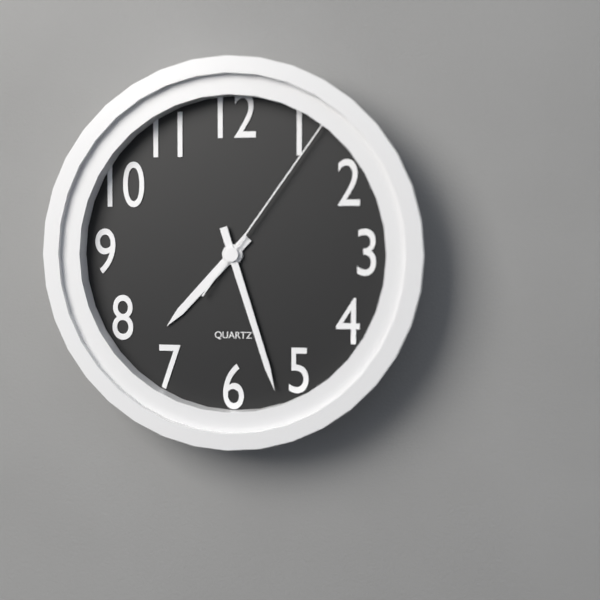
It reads {"hour": 7, "minute": 27, "second": 6}
